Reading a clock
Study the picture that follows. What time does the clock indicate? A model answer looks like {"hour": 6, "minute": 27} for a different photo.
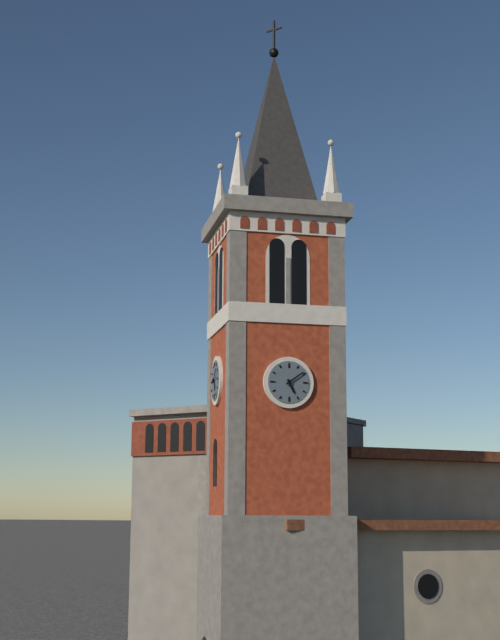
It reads {"hour": 5, "minute": 9}
